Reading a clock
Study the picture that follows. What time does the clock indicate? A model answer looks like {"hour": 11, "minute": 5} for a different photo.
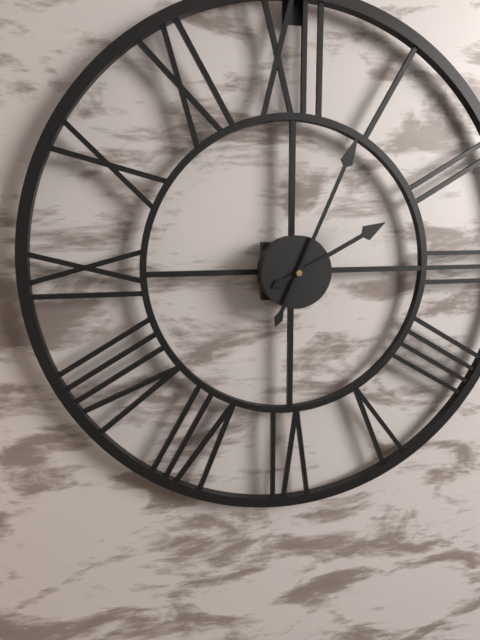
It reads {"hour": 2, "minute": 4}
